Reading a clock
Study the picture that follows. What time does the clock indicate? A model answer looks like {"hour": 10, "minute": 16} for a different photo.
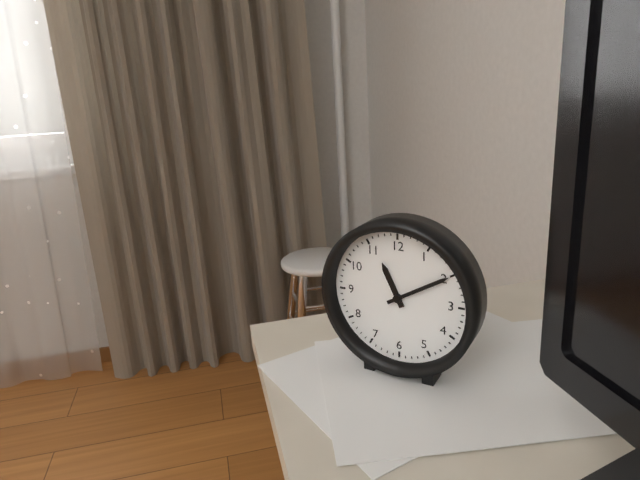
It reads {"hour": 11, "minute": 10}
